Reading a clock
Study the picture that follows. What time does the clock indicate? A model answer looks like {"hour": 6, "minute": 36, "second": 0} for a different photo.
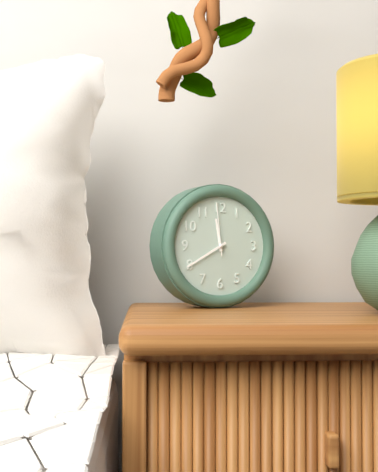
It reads {"hour": 11, "minute": 40, "second": 59}
